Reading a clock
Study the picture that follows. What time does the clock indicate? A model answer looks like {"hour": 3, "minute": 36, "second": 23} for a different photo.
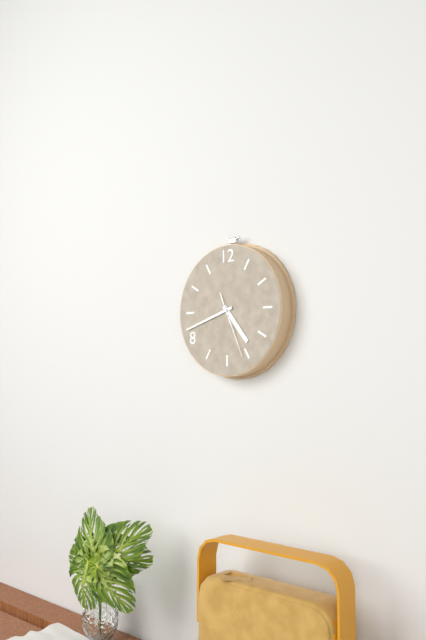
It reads {"hour": 4, "minute": 42, "second": 26}
